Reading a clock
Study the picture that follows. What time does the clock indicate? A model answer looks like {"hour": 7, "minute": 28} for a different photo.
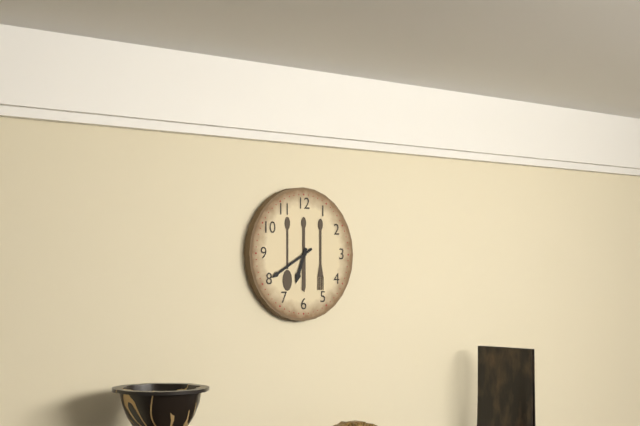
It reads {"hour": 6, "minute": 40}
